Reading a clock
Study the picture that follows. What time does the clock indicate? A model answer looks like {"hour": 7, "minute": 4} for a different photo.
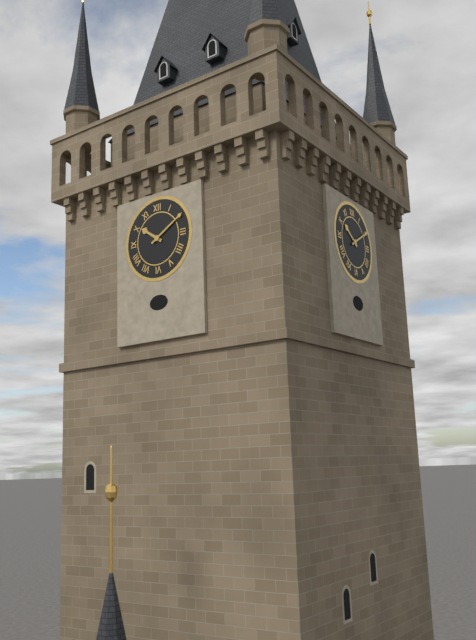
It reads {"hour": 10, "minute": 10}
